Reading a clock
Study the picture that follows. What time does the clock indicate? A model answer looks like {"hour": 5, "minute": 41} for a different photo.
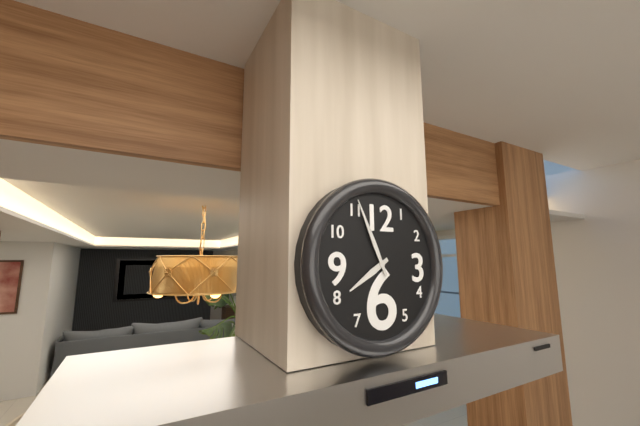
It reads {"hour": 7, "minute": 56}
